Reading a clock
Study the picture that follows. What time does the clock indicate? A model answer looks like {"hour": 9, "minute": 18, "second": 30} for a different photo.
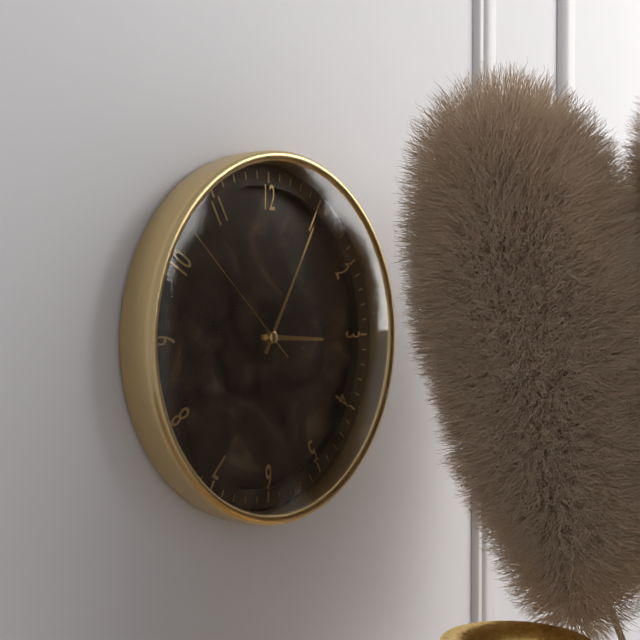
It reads {"hour": 3, "minute": 5, "second": 52}
